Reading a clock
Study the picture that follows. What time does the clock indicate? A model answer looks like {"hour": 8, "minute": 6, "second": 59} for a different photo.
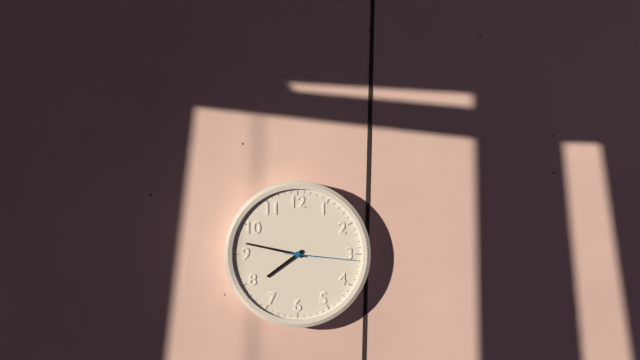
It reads {"hour": 7, "minute": 47, "second": 16}
